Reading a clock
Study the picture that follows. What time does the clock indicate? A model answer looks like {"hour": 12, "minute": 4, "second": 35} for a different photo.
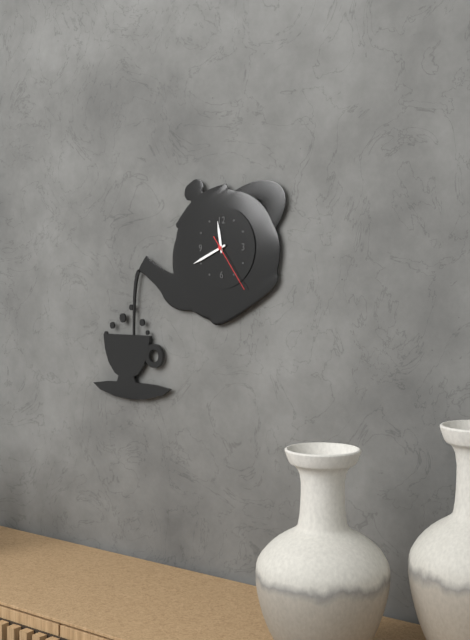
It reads {"hour": 11, "minute": 41, "second": 24}
